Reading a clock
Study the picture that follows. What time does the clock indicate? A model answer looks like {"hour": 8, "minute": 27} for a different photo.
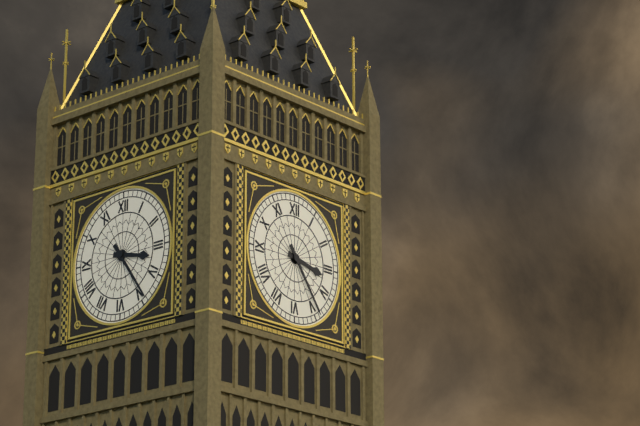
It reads {"hour": 3, "minute": 24}
